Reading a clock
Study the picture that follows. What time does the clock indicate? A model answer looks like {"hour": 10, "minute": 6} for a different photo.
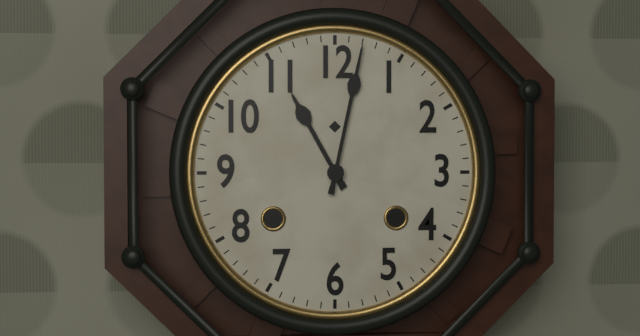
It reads {"hour": 11, "minute": 2}
